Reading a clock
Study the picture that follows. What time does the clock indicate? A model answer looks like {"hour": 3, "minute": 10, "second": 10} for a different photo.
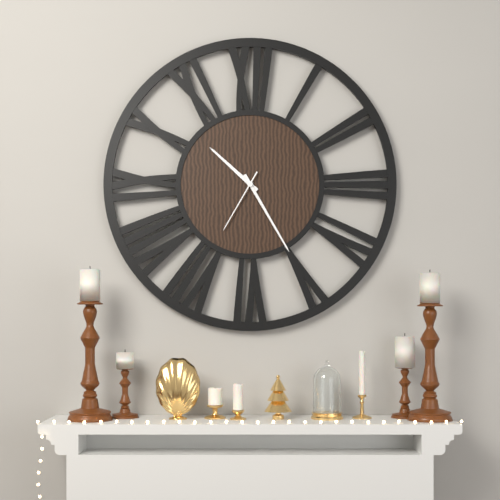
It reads {"hour": 10, "minute": 25, "second": 35}
